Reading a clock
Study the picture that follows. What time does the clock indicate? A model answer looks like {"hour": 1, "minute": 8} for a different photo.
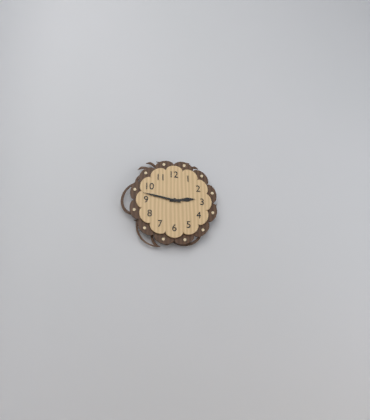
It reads {"hour": 2, "minute": 47}
